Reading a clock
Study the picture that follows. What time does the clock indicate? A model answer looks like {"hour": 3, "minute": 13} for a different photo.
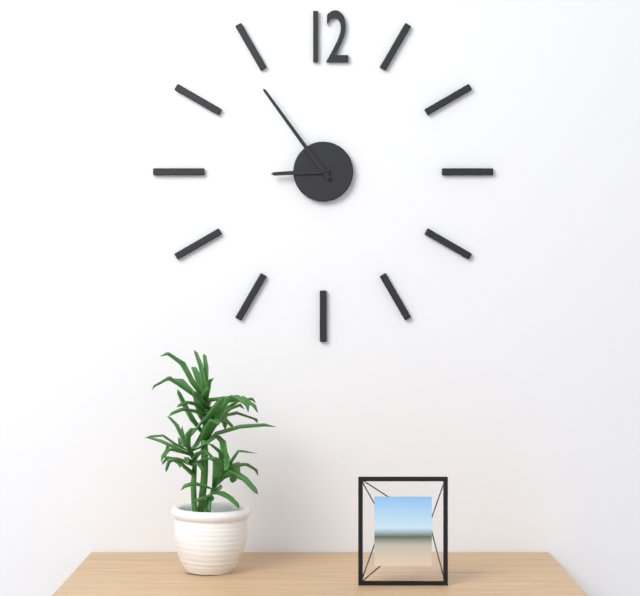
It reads {"hour": 8, "minute": 54}
